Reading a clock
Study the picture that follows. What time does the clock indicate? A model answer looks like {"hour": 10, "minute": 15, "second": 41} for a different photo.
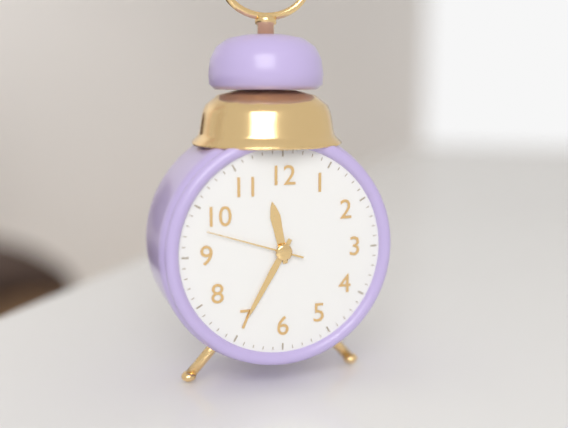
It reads {"hour": 11, "minute": 35, "second": 48}
